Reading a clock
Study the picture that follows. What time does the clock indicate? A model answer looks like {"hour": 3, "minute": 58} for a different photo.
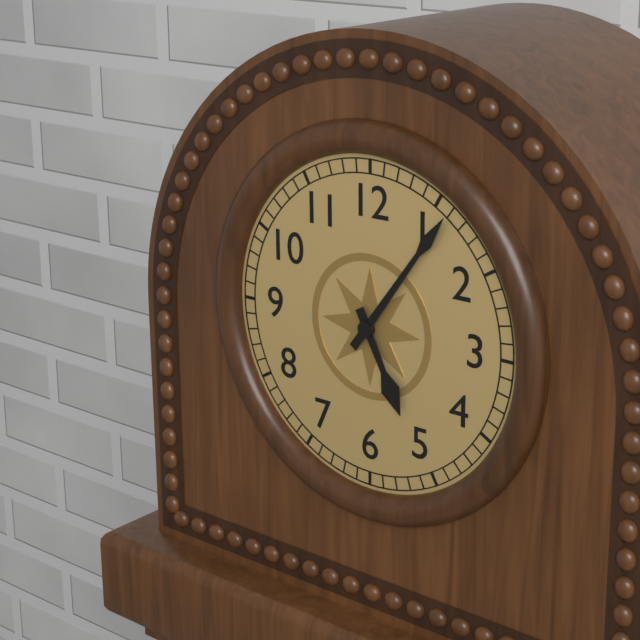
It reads {"hour": 5, "minute": 6}
